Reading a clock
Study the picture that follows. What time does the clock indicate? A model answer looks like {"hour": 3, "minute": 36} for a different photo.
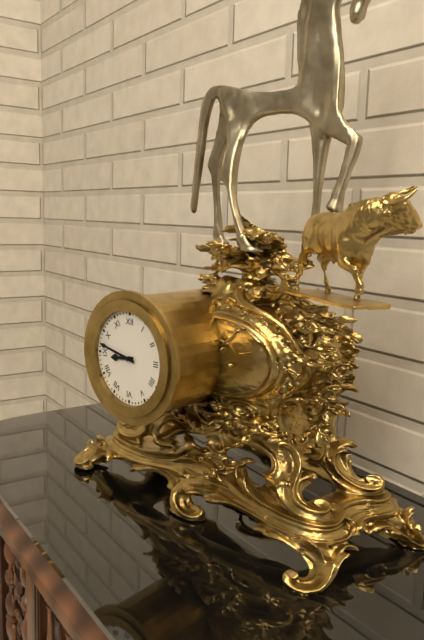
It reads {"hour": 8, "minute": 47}
